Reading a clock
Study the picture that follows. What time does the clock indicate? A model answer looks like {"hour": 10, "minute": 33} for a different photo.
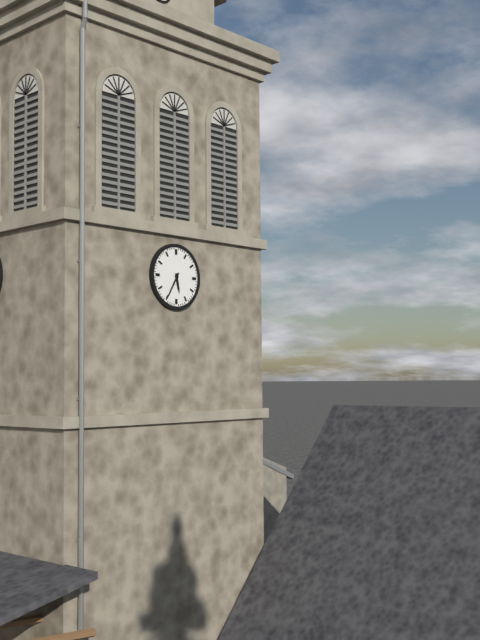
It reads {"hour": 5, "minute": 35}
